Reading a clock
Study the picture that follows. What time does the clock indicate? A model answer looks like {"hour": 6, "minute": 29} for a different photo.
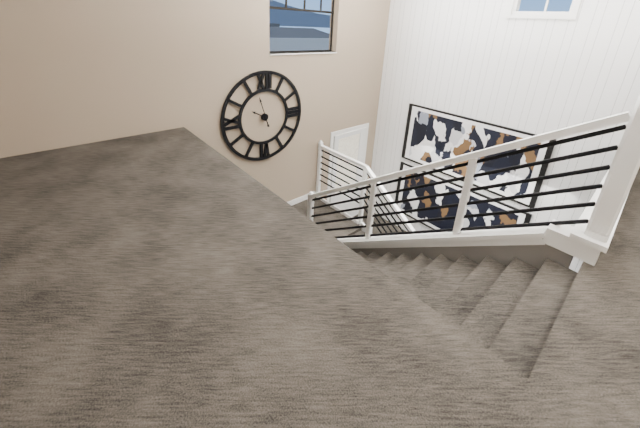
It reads {"hour": 9, "minute": 57}
